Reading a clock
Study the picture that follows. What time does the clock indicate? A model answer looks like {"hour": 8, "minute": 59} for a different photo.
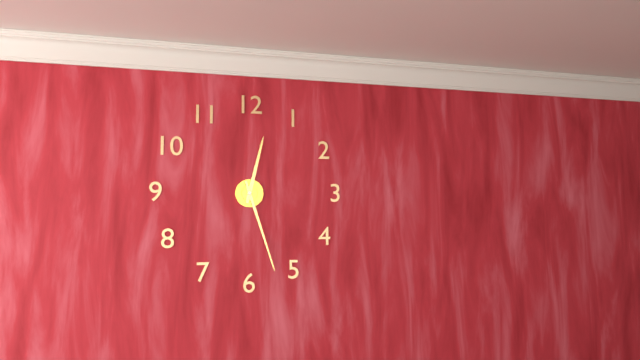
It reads {"hour": 12, "minute": 27}
